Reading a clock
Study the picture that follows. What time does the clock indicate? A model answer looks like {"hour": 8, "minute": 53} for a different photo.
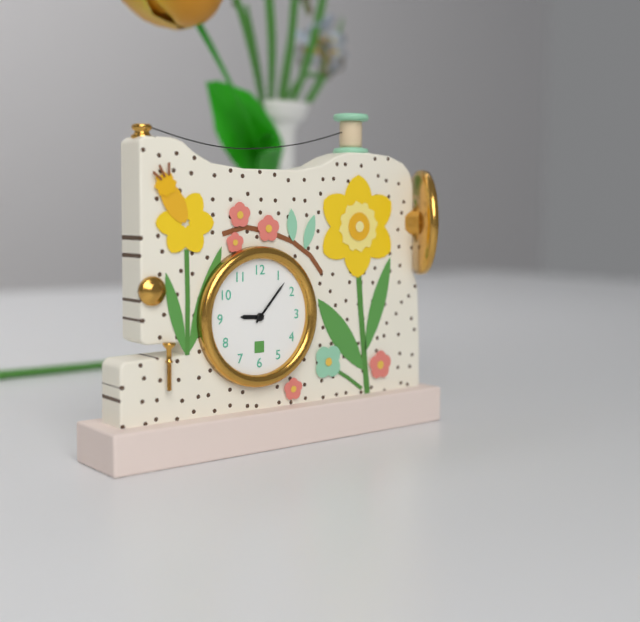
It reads {"hour": 9, "minute": 7}
